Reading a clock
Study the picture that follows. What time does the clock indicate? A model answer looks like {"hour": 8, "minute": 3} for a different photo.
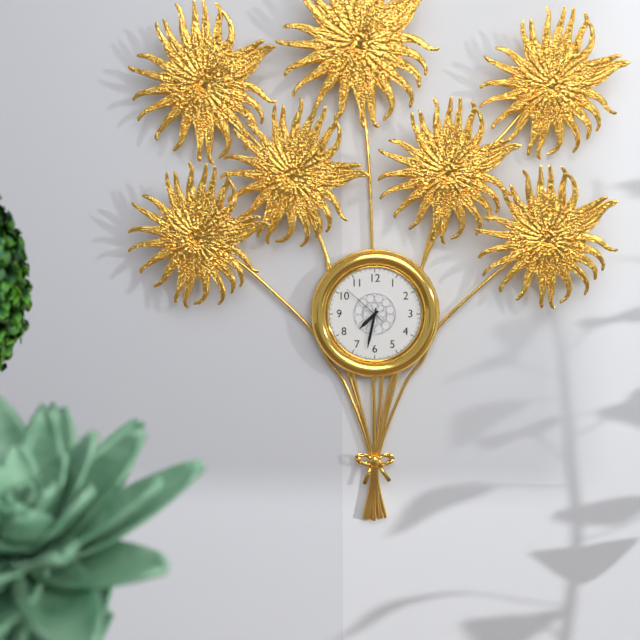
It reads {"hour": 7, "minute": 32}
